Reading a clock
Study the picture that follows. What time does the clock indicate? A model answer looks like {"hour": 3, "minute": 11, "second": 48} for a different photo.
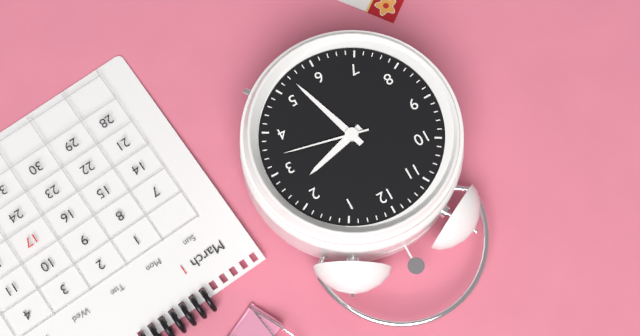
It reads {"hour": 2, "minute": 27, "second": 17}
